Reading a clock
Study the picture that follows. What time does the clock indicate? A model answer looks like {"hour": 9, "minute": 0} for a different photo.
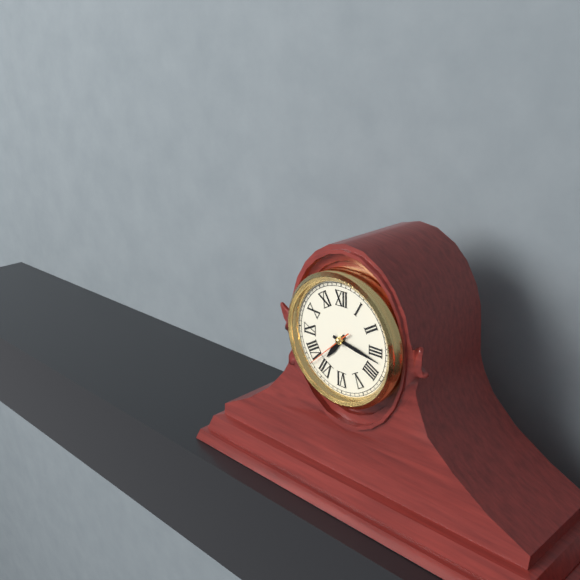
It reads {"hour": 7, "minute": 17}
